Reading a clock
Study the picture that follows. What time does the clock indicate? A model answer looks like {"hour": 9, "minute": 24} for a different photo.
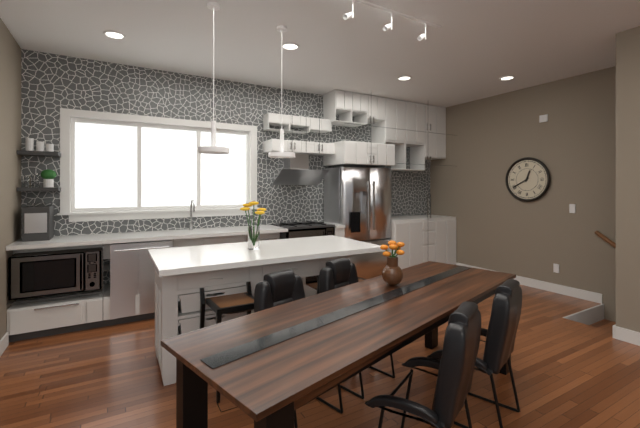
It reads {"hour": 12, "minute": 40}
